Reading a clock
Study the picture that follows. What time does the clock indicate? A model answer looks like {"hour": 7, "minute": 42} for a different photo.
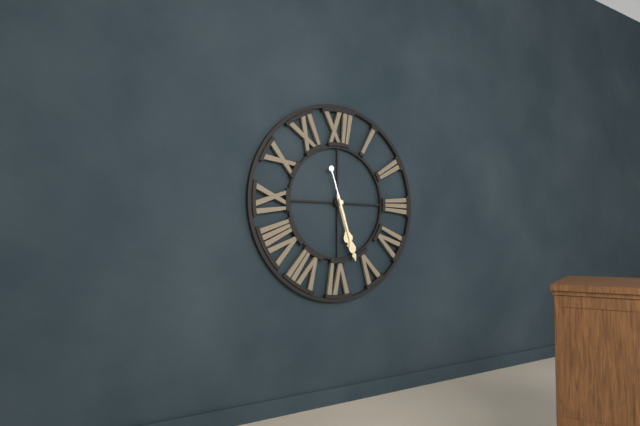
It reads {"hour": 5, "minute": 27}
